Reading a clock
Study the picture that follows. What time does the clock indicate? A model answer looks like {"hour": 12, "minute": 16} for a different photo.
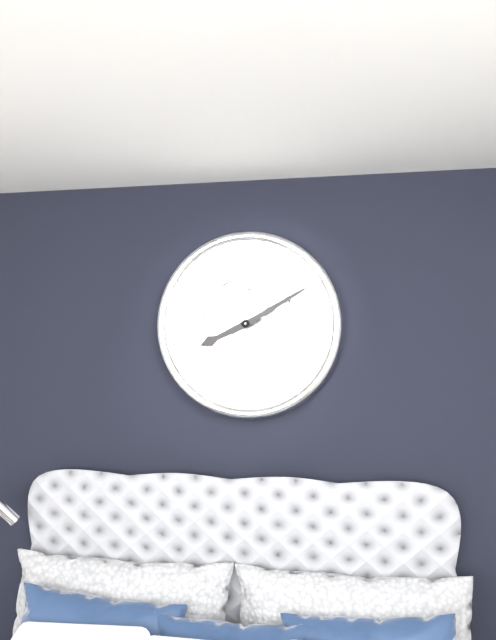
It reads {"hour": 8, "minute": 10}
